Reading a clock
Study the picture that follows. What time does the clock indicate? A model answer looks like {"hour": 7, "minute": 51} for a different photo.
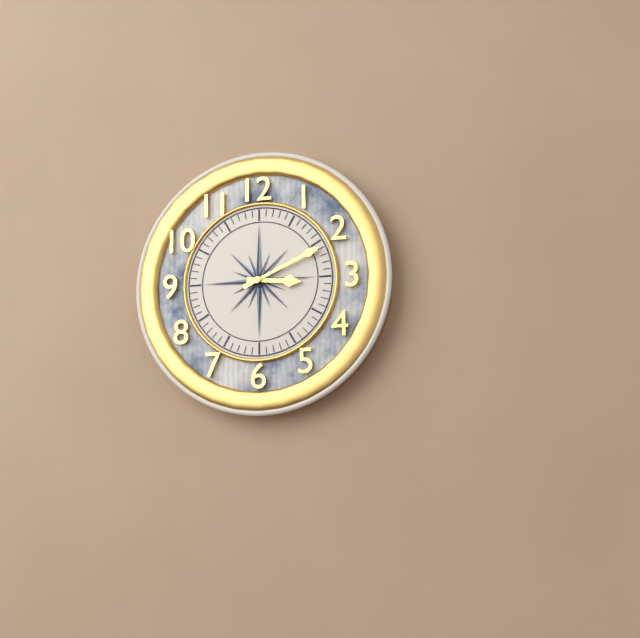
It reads {"hour": 3, "minute": 11}
